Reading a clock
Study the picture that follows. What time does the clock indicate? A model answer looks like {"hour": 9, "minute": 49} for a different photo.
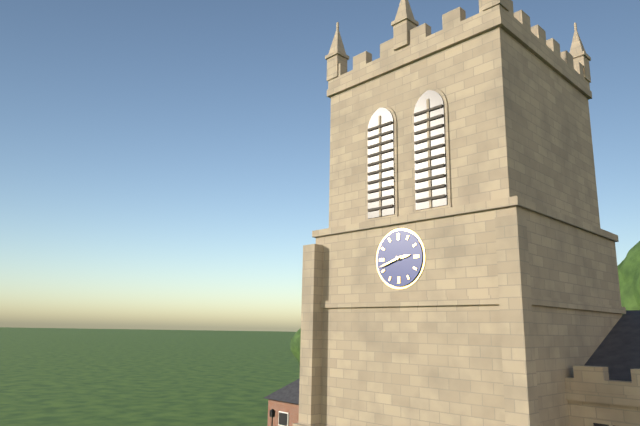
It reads {"hour": 2, "minute": 42}
